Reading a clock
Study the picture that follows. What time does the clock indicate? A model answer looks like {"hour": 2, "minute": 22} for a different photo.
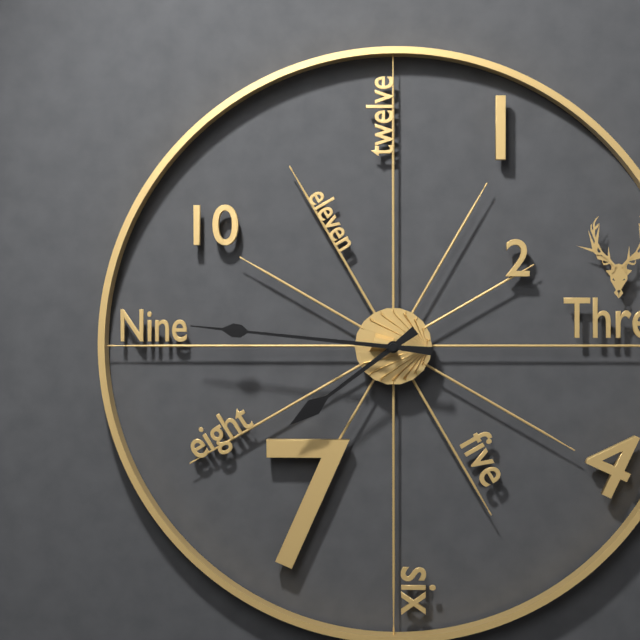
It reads {"hour": 7, "minute": 46}
